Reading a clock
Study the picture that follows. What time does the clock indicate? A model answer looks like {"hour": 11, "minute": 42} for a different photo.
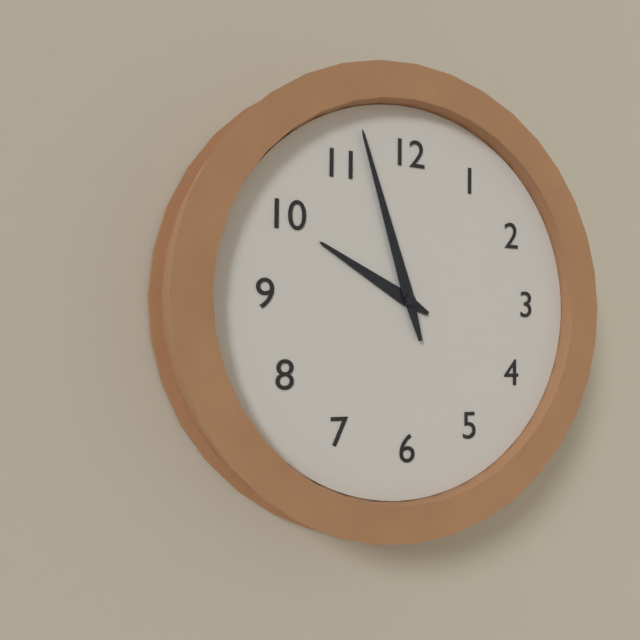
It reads {"hour": 9, "minute": 57}
